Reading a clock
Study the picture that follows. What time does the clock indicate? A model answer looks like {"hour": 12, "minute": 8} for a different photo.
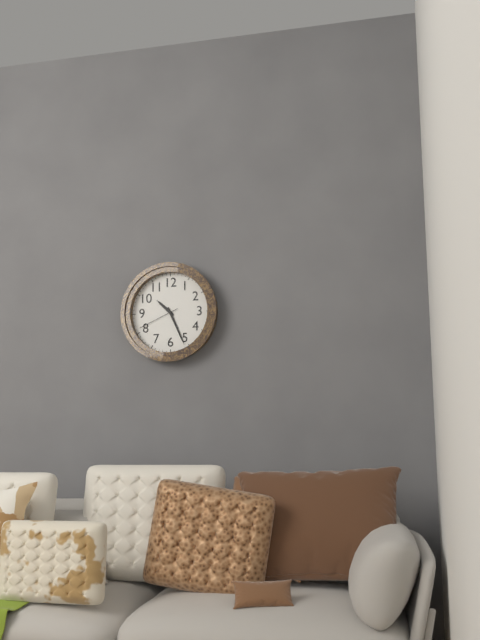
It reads {"hour": 10, "minute": 26}
